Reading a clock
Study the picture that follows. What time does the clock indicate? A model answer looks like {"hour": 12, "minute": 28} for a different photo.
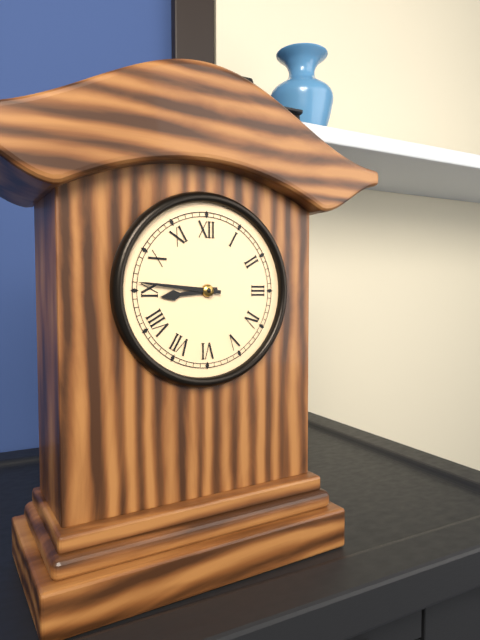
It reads {"hour": 8, "minute": 46}
